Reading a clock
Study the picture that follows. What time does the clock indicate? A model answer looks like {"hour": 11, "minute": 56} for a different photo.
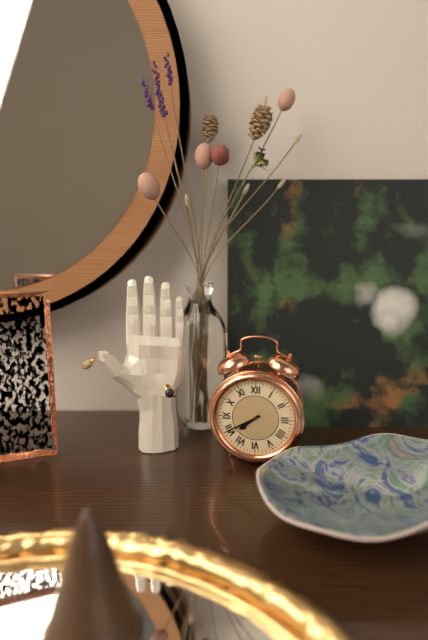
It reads {"hour": 7, "minute": 40}
